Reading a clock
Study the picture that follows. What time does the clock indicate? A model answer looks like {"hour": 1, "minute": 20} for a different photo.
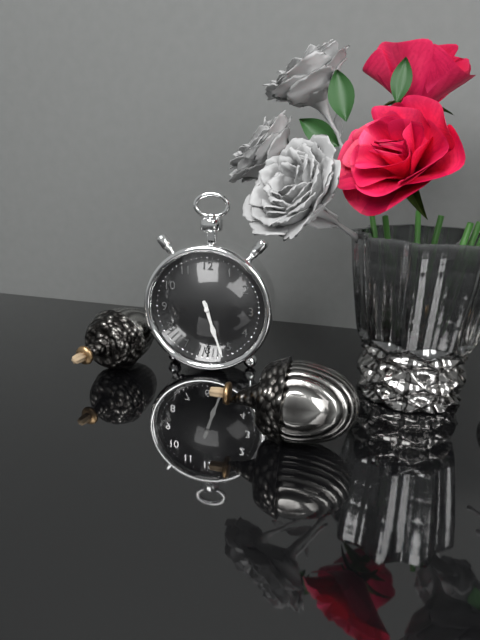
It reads {"hour": 5, "minute": 27}
